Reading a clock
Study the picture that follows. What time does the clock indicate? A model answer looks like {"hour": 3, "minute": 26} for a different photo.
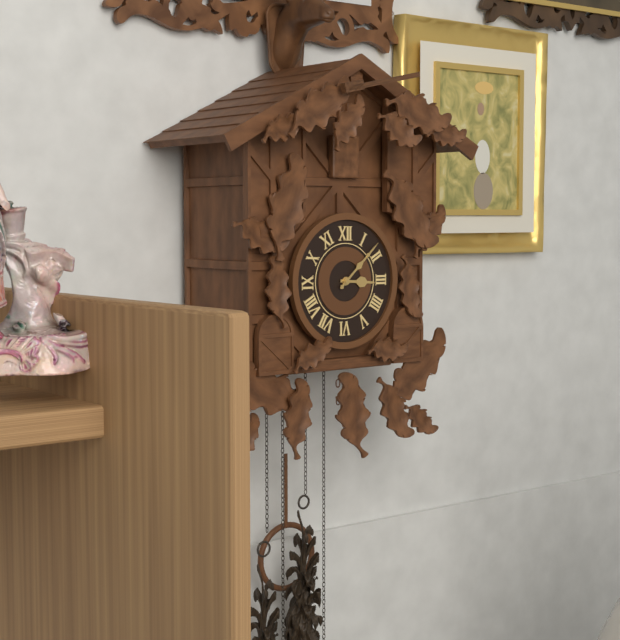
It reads {"hour": 3, "minute": 8}
